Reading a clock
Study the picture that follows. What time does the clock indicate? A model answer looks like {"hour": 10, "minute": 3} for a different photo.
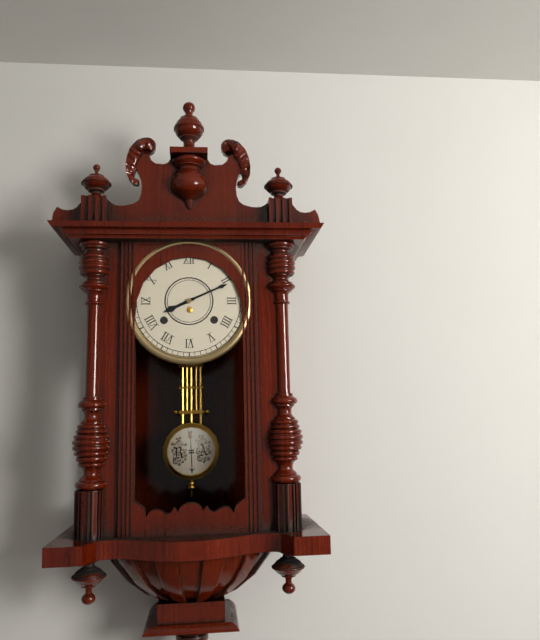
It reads {"hour": 8, "minute": 11}
